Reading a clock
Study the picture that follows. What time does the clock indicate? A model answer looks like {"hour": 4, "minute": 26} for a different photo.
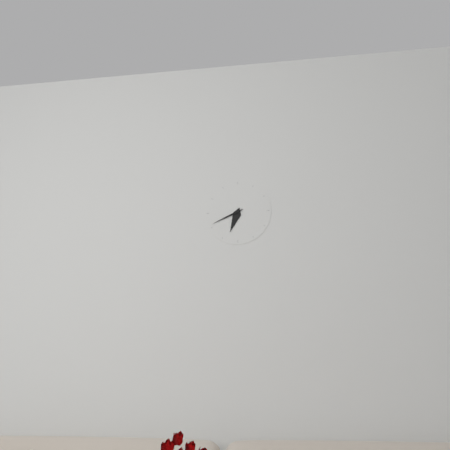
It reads {"hour": 6, "minute": 41}
